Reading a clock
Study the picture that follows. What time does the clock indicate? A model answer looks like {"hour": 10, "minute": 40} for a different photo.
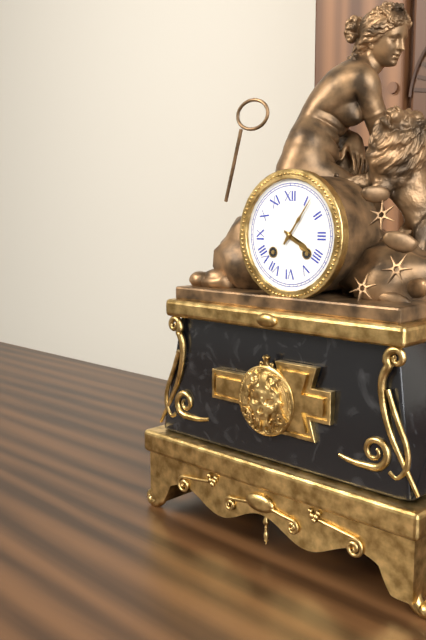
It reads {"hour": 4, "minute": 6}
